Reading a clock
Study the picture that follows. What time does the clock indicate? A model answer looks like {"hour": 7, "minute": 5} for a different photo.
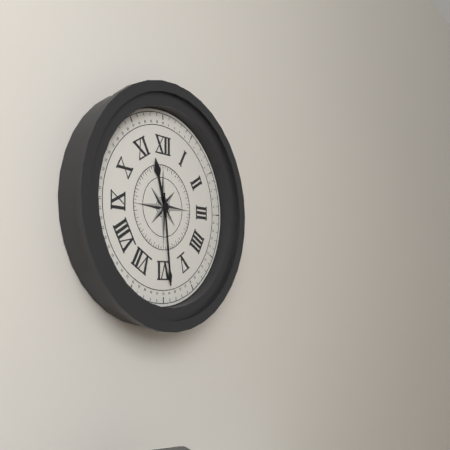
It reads {"hour": 11, "minute": 29}
